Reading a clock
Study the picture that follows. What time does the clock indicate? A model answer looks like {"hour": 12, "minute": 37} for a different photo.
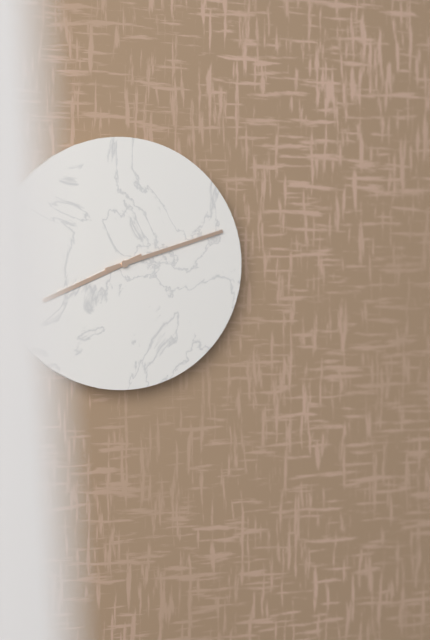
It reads {"hour": 8, "minute": 12}
